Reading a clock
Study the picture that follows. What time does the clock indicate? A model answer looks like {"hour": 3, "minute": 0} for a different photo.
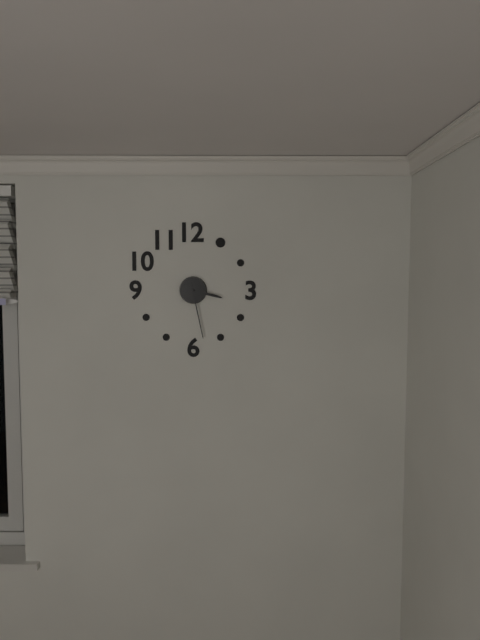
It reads {"hour": 3, "minute": 28}
